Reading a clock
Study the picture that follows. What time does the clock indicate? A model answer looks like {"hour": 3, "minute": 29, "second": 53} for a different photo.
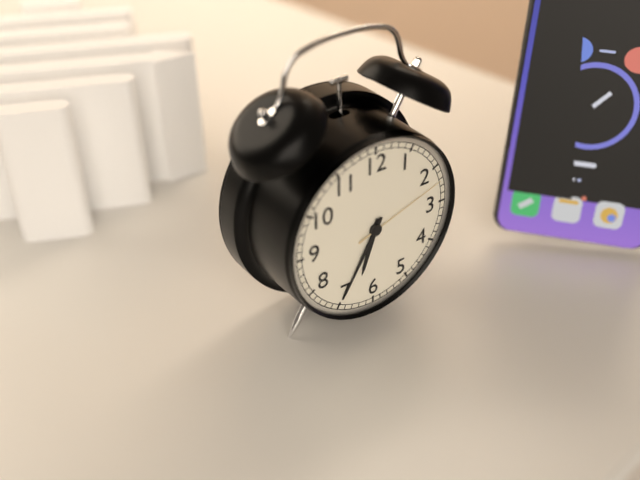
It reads {"hour": 6, "minute": 35, "second": 12}
